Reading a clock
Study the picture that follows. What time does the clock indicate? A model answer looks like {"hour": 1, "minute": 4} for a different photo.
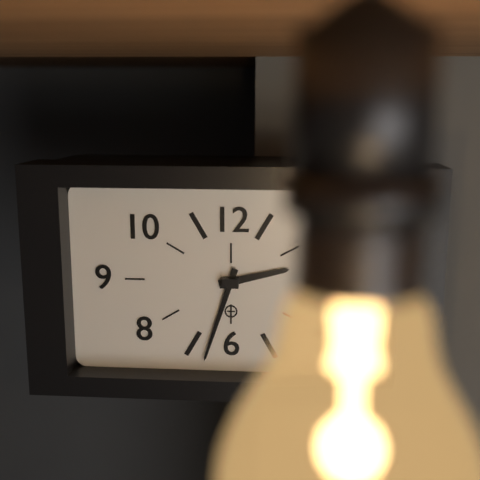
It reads {"hour": 2, "minute": 33}
